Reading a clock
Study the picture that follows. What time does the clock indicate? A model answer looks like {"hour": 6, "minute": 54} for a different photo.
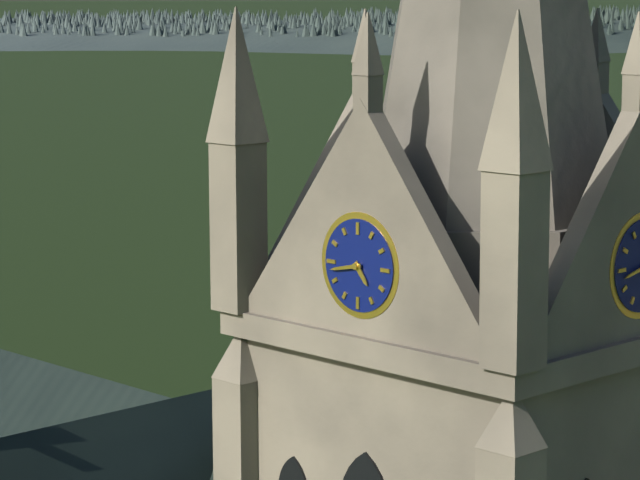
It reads {"hour": 4, "minute": 43}
